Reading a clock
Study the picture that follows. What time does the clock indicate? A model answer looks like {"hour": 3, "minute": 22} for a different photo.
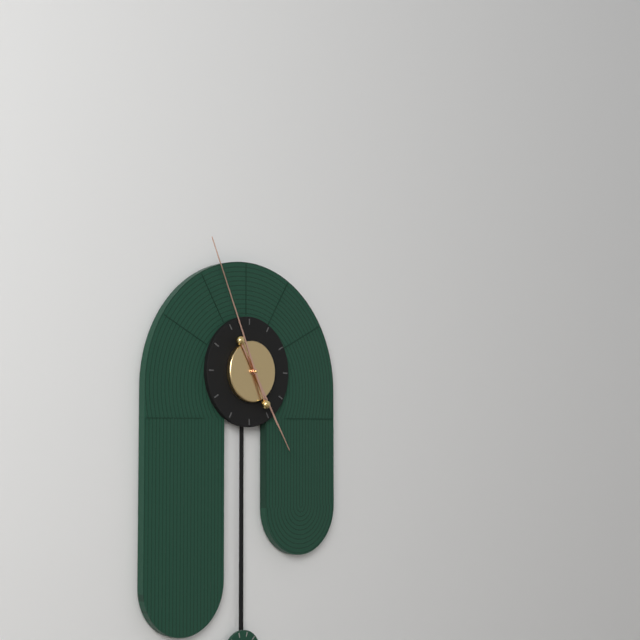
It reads {"hour": 4, "minute": 56}
